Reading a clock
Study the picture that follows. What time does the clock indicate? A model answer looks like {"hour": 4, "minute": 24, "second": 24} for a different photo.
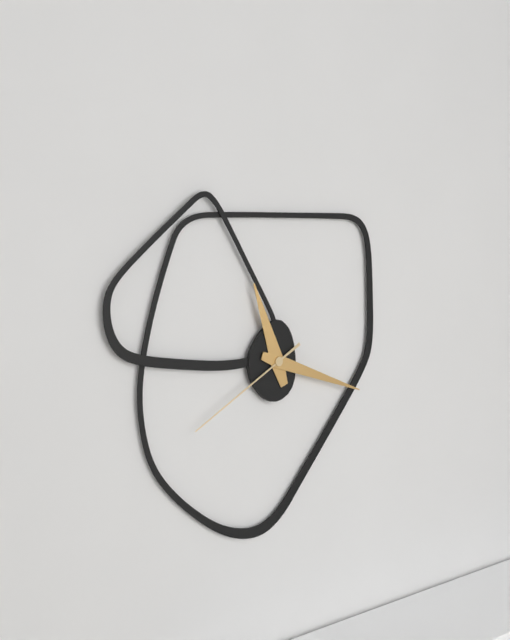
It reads {"hour": 11, "minute": 18, "second": 40}
